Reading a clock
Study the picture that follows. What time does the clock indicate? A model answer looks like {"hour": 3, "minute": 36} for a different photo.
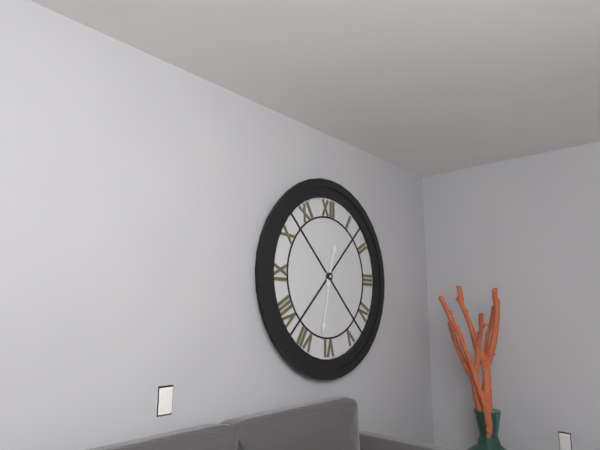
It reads {"hour": 12, "minute": 32}
